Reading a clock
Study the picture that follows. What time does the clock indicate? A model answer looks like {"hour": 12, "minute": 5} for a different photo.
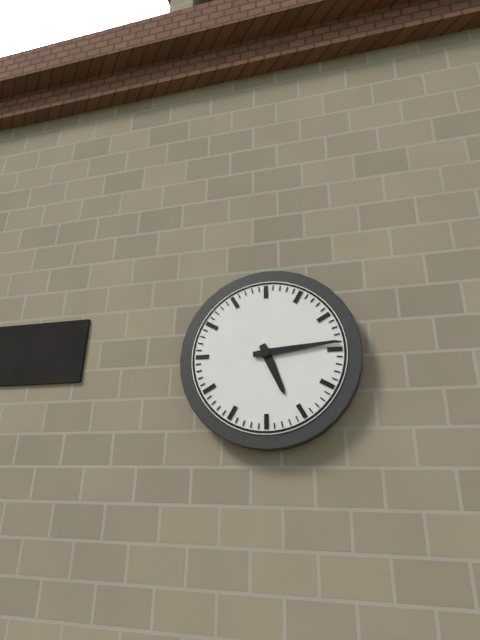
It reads {"hour": 5, "minute": 14}
